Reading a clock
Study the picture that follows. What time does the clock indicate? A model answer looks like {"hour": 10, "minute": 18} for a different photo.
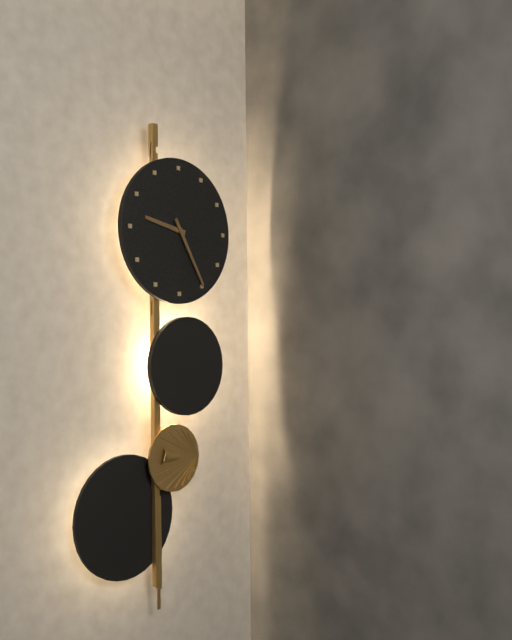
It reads {"hour": 9, "minute": 25}
